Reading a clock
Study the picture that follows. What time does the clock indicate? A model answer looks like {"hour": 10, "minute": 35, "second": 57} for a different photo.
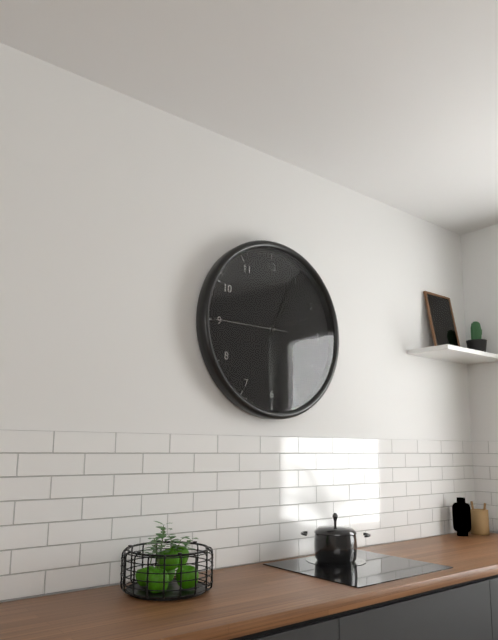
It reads {"hour": 1, "minute": 4, "second": 45}
